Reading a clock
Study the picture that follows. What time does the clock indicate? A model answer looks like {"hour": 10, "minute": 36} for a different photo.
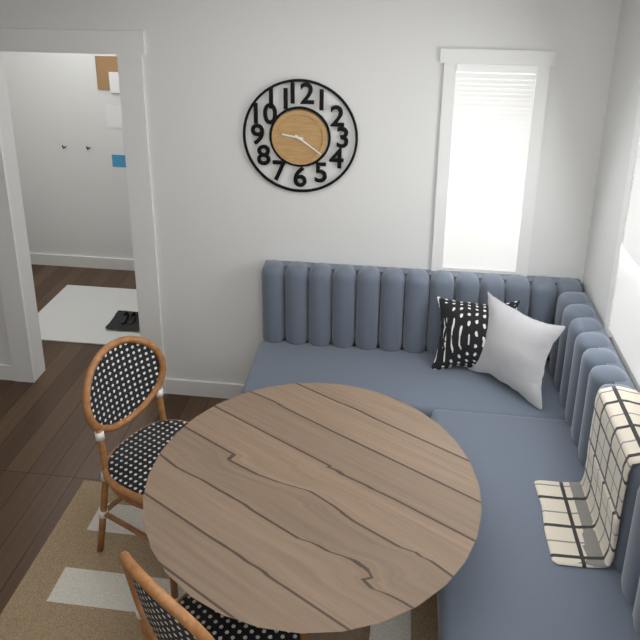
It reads {"hour": 9, "minute": 21}
